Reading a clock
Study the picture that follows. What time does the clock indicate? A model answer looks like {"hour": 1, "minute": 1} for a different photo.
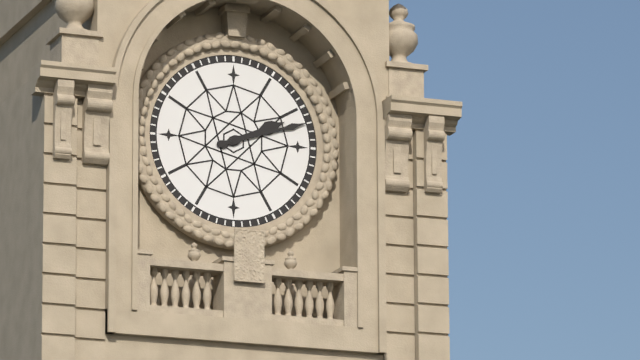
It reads {"hour": 2, "minute": 12}
